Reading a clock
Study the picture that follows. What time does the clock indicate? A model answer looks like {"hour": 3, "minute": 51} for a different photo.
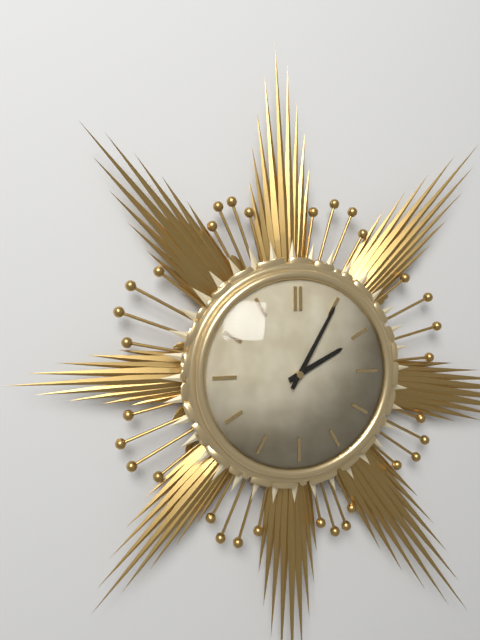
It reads {"hour": 2, "minute": 5}
